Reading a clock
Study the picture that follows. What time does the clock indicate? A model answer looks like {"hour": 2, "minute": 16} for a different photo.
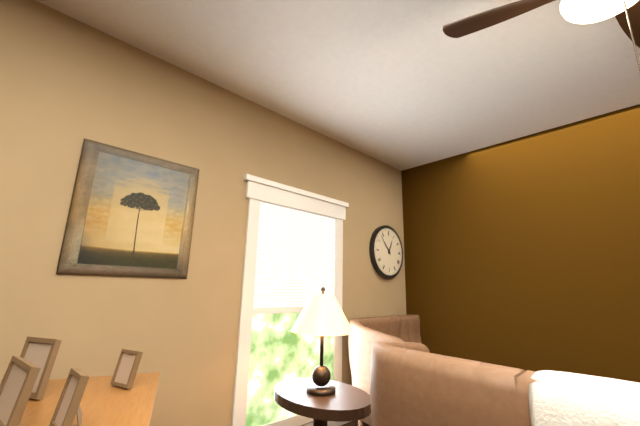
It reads {"hour": 12, "minute": 53}
